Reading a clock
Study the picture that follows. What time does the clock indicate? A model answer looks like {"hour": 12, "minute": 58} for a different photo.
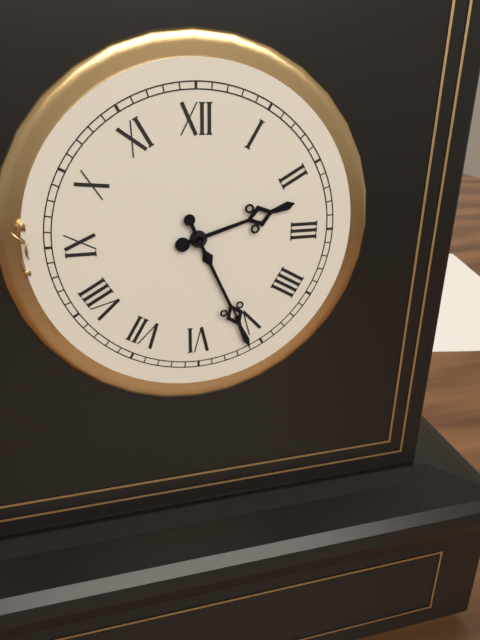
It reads {"hour": 2, "minute": 26}
